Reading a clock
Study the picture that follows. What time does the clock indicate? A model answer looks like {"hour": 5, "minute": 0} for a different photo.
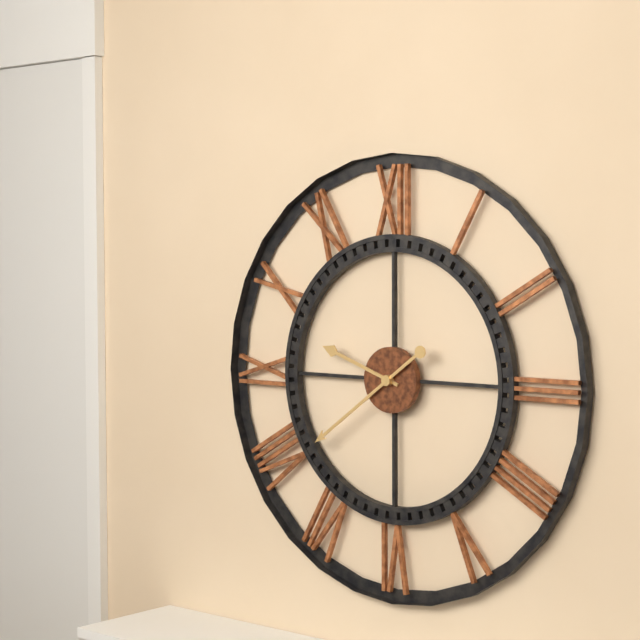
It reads {"hour": 9, "minute": 39}
